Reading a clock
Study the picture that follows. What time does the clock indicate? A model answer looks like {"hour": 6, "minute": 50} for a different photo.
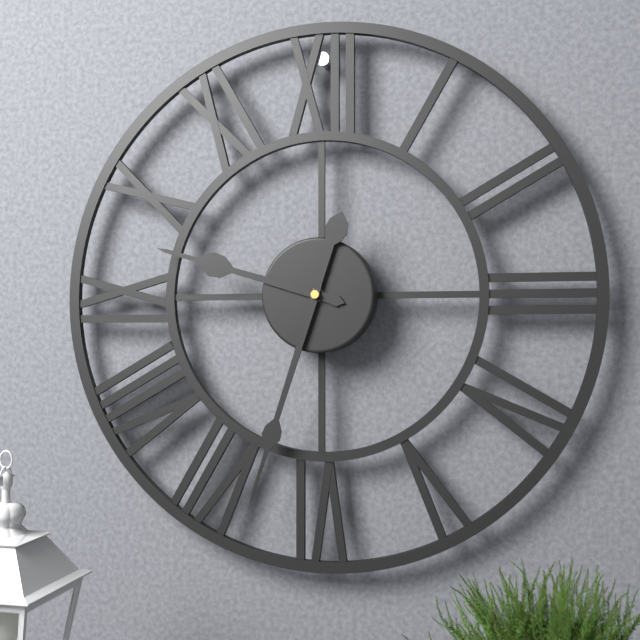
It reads {"hour": 9, "minute": 33}
